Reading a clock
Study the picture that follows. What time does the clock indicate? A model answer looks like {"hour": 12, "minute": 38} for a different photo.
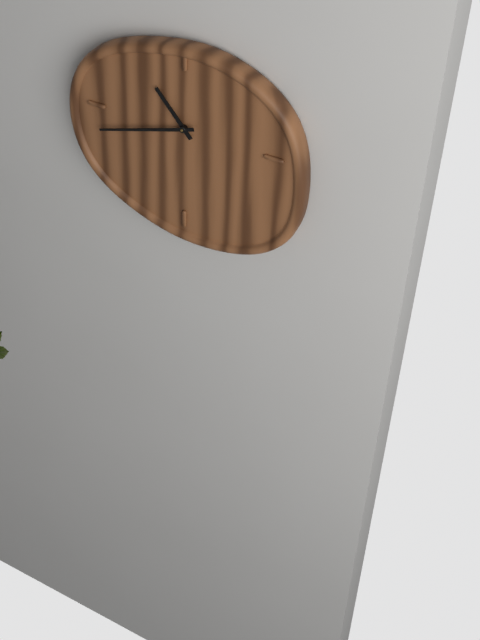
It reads {"hour": 10, "minute": 42}
